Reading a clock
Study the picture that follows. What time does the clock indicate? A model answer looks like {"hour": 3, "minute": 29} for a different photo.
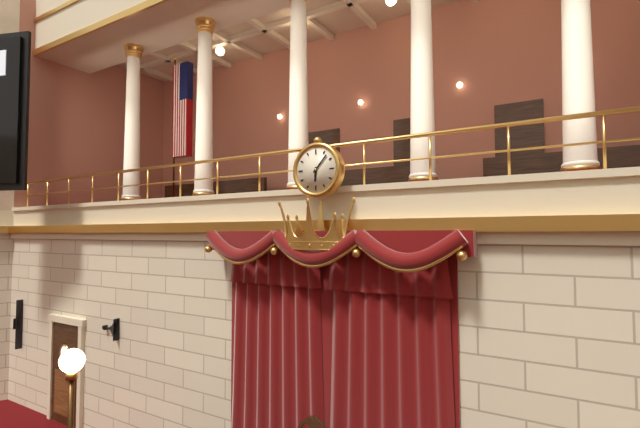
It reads {"hour": 6, "minute": 7}
